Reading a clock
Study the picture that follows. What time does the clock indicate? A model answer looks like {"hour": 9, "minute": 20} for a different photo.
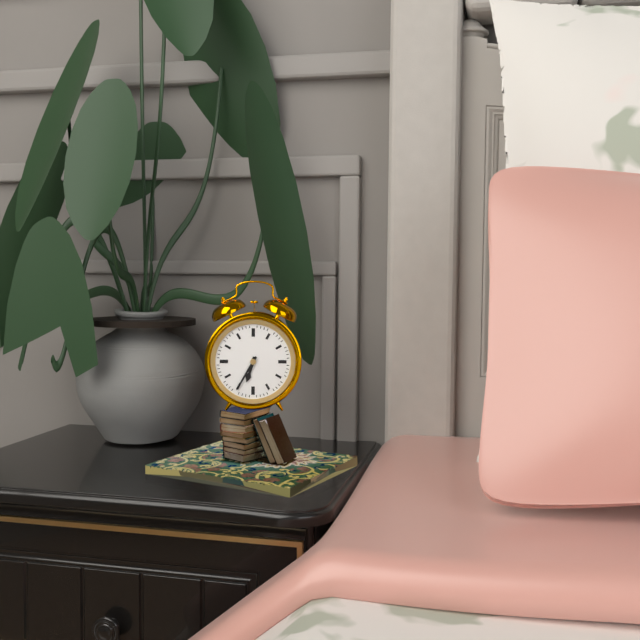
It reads {"hour": 6, "minute": 35}
